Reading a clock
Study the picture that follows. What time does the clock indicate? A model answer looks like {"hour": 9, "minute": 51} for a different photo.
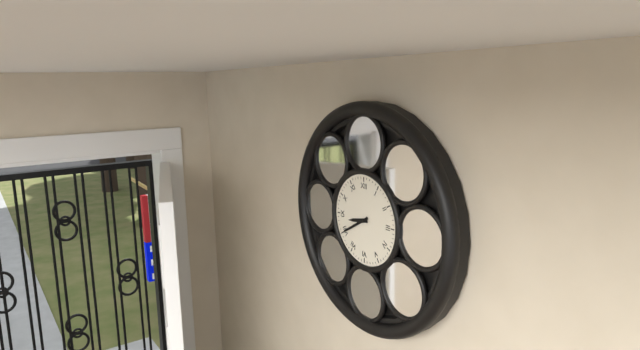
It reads {"hour": 8, "minute": 40}
